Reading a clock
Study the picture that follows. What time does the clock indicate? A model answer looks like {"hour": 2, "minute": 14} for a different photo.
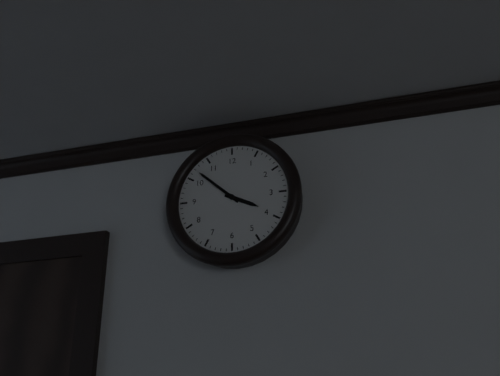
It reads {"hour": 3, "minute": 52}
